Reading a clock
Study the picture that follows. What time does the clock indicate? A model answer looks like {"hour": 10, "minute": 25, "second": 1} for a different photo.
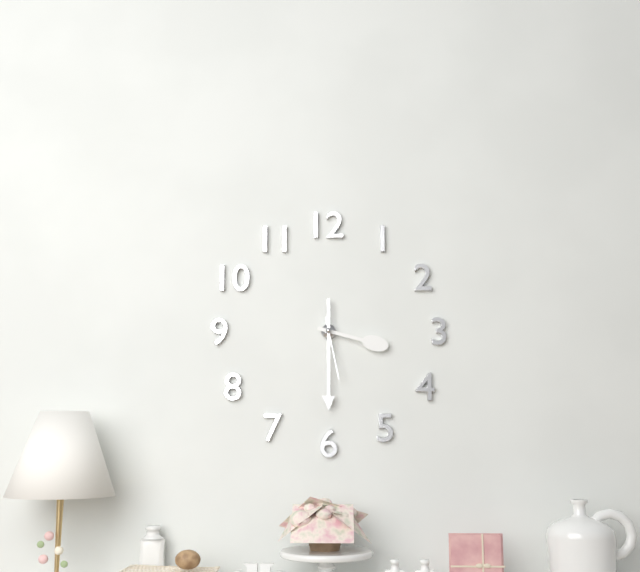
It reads {"hour": 3, "minute": 30, "second": 28}
